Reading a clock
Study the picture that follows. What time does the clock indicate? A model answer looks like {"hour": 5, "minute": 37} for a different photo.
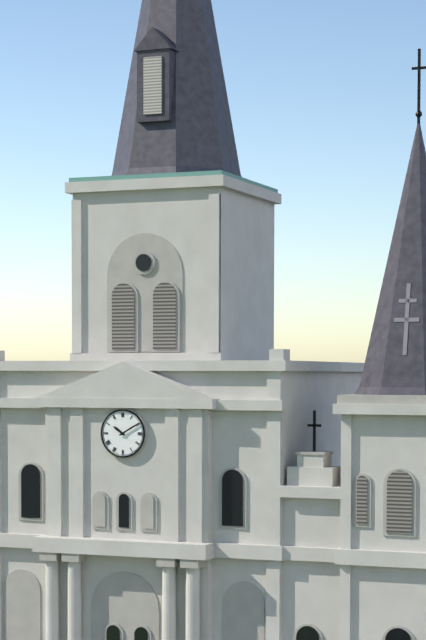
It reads {"hour": 10, "minute": 10}
